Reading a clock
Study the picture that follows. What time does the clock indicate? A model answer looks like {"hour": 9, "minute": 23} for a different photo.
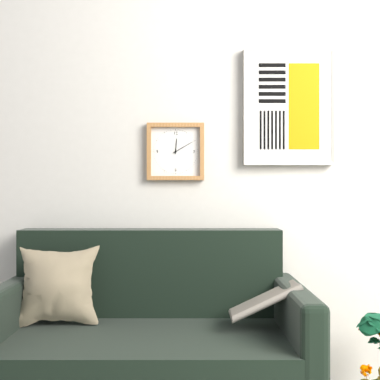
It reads {"hour": 12, "minute": 10}
